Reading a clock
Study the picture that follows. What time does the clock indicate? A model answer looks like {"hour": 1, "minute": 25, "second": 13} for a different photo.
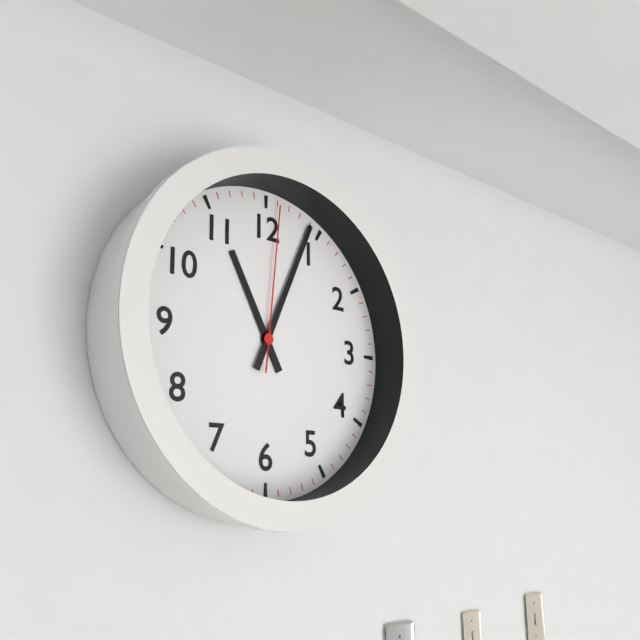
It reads {"hour": 11, "minute": 4, "second": 1}
